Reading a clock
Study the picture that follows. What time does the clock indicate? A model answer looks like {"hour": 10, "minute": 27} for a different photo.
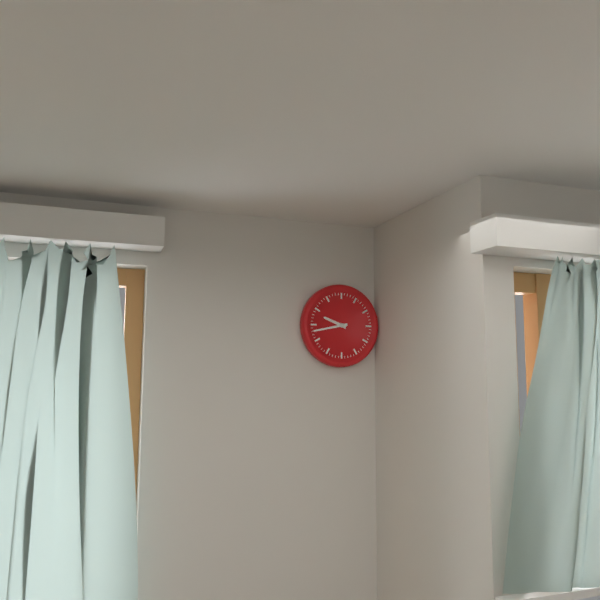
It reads {"hour": 9, "minute": 43}
